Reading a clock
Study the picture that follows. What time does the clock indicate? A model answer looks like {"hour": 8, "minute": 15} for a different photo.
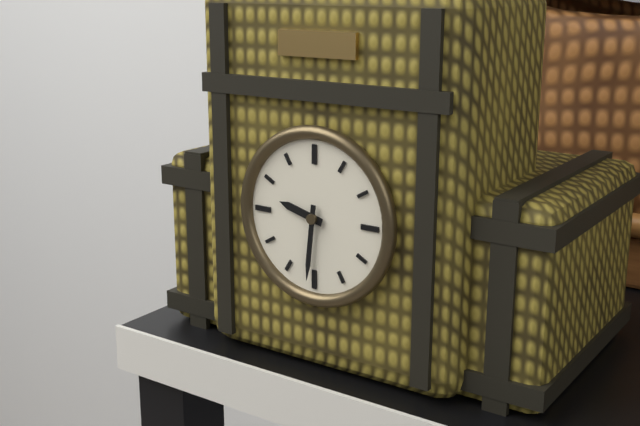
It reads {"hour": 9, "minute": 31}
